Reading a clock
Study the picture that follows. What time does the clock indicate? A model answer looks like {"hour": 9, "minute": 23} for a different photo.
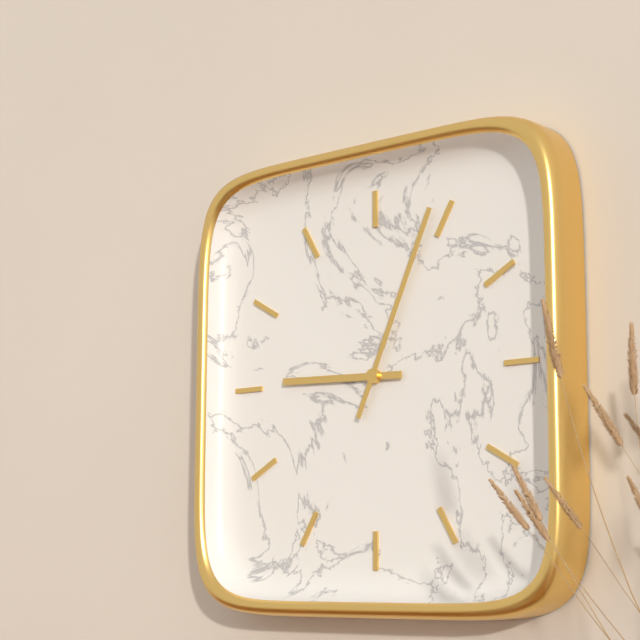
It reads {"hour": 9, "minute": 4}
